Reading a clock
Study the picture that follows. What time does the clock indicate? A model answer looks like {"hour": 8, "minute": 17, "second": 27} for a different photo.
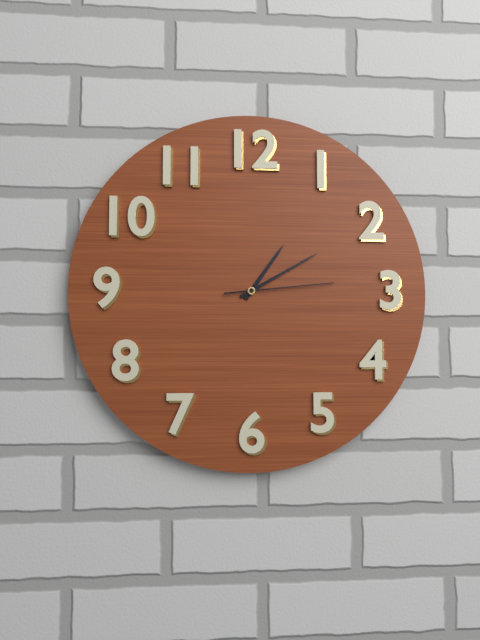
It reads {"hour": 1, "minute": 10, "second": 14}
